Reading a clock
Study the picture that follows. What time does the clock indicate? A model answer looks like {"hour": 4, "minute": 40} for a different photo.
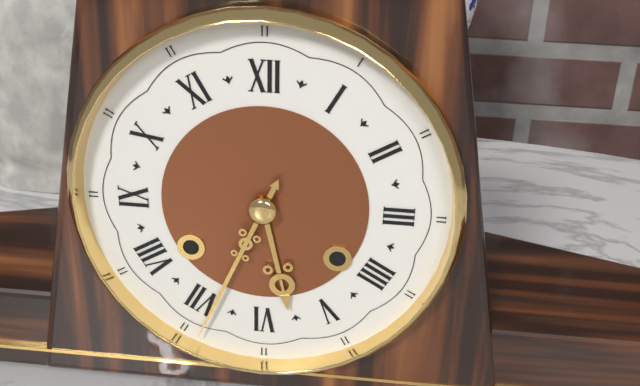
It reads {"hour": 5, "minute": 34}
